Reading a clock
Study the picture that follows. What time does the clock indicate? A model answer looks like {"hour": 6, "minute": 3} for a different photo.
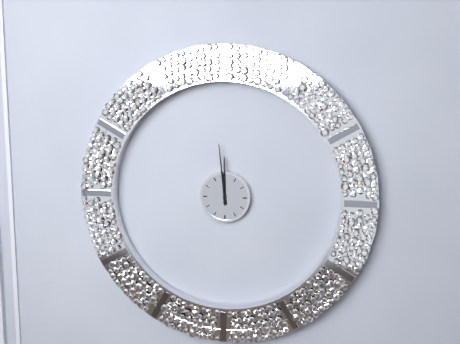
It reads {"hour": 11, "minute": 59}
